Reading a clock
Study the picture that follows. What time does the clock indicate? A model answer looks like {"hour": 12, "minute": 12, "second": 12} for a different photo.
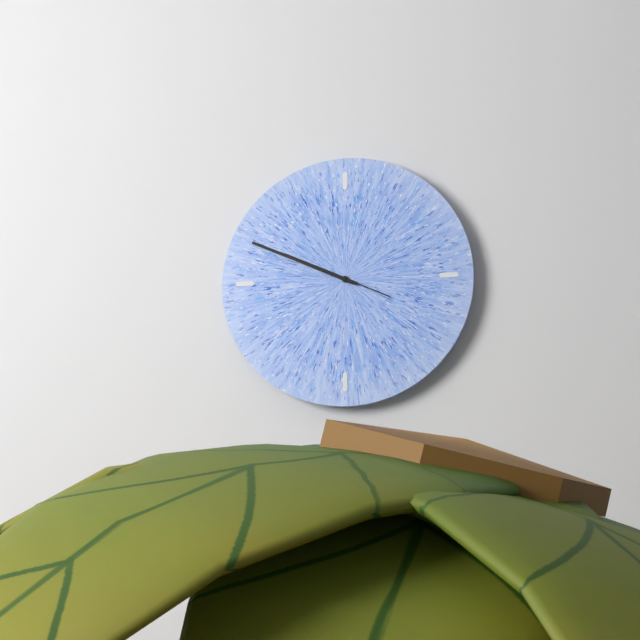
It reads {"hour": 9, "minute": 49, "second": 49}
